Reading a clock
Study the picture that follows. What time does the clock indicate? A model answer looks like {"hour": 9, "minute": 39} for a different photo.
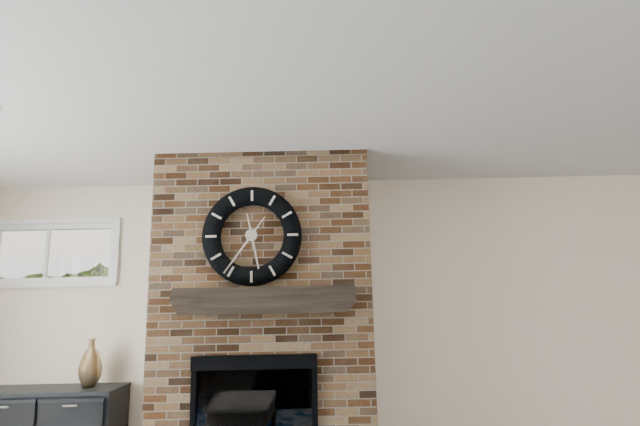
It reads {"hour": 5, "minute": 36}
